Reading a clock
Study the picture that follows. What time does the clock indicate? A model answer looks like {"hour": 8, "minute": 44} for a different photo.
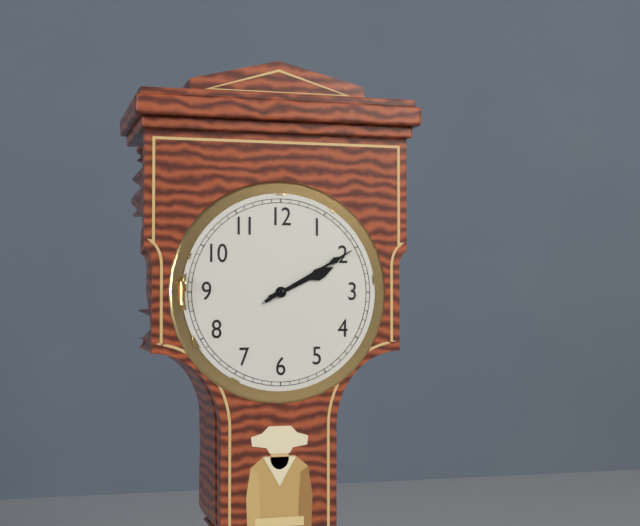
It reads {"hour": 2, "minute": 10}
